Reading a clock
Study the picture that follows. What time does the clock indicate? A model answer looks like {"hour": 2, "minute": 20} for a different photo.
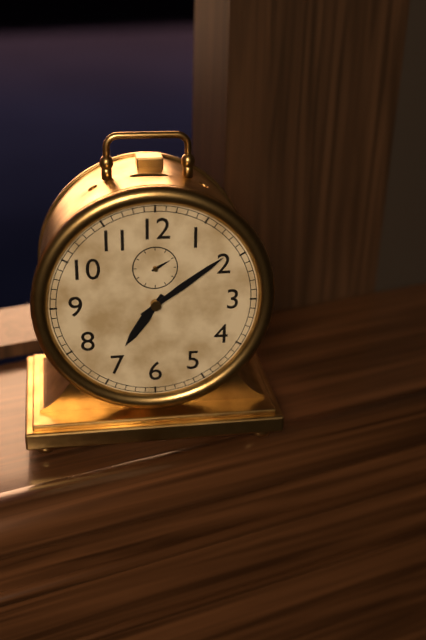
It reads {"hour": 7, "minute": 9}
